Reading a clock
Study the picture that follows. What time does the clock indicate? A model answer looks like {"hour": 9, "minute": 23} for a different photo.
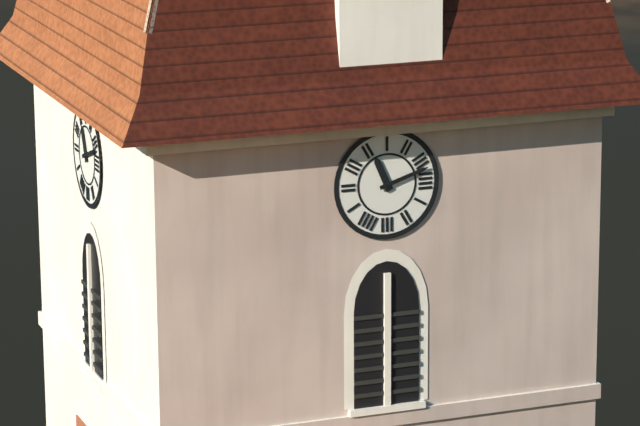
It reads {"hour": 11, "minute": 12}
